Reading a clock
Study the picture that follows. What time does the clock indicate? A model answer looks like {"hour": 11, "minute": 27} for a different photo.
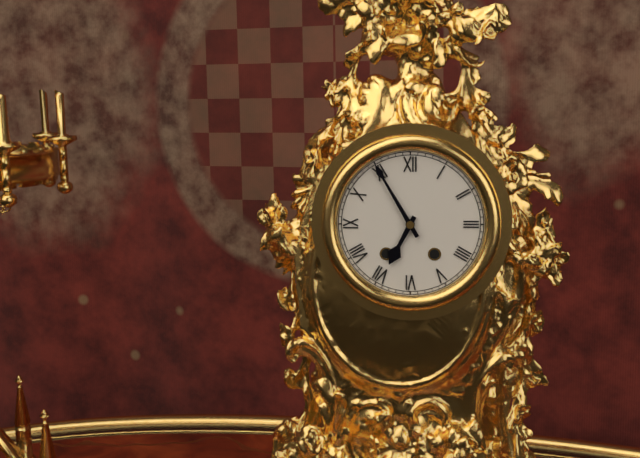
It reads {"hour": 6, "minute": 55}
